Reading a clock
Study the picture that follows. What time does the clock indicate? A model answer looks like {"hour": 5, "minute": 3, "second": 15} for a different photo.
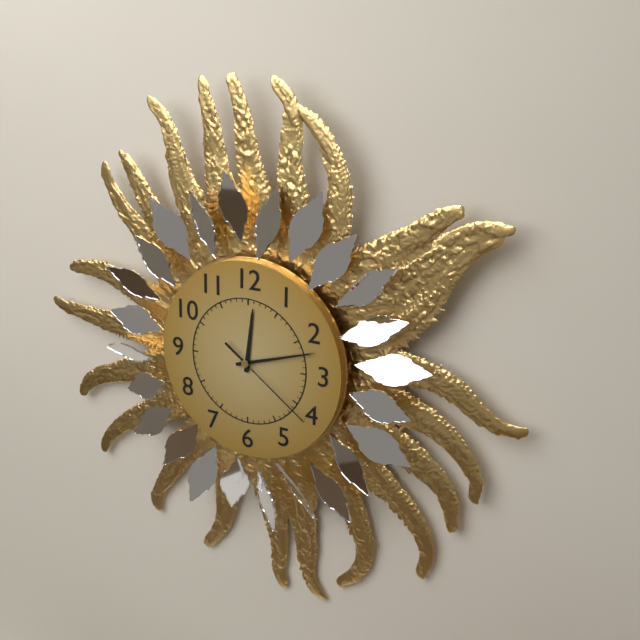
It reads {"hour": 12, "minute": 12, "second": 21}
